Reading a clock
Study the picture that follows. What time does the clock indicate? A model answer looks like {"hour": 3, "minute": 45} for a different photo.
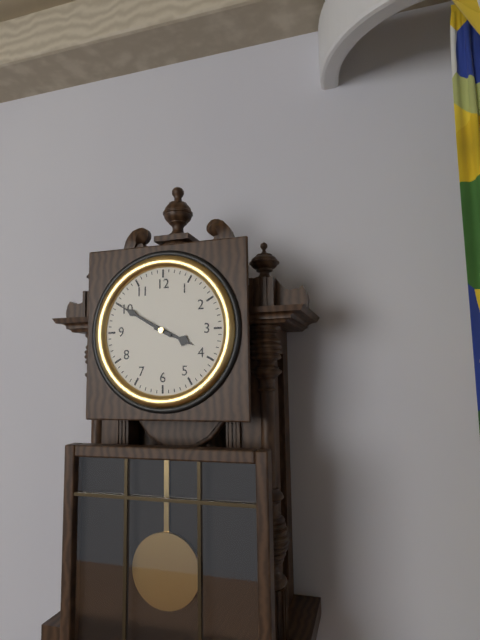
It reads {"hour": 3, "minute": 50}
